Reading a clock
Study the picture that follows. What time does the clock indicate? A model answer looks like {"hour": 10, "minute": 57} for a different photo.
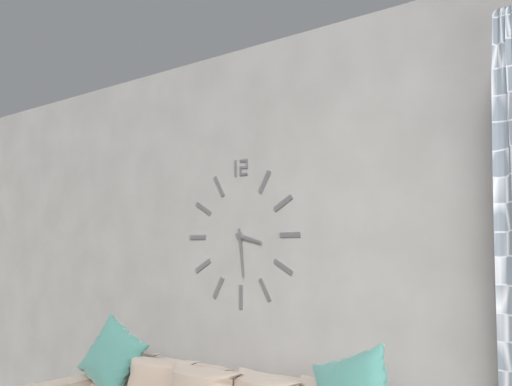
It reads {"hour": 3, "minute": 29}
